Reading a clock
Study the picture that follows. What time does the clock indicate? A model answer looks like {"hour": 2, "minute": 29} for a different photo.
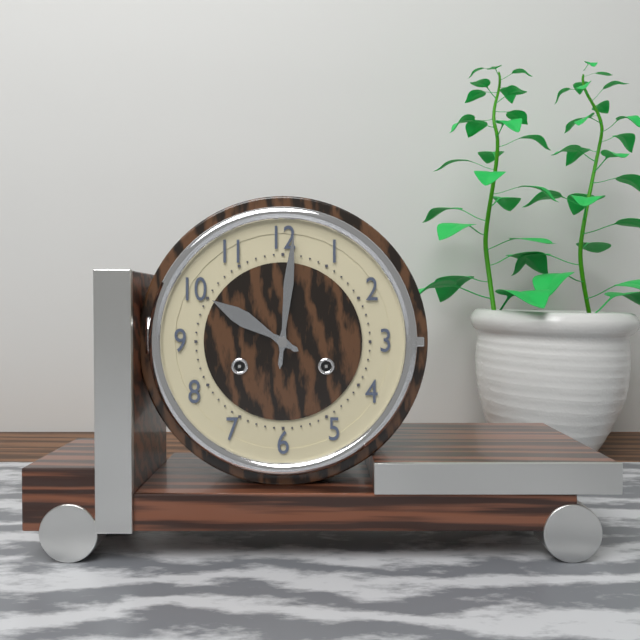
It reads {"hour": 10, "minute": 1}
